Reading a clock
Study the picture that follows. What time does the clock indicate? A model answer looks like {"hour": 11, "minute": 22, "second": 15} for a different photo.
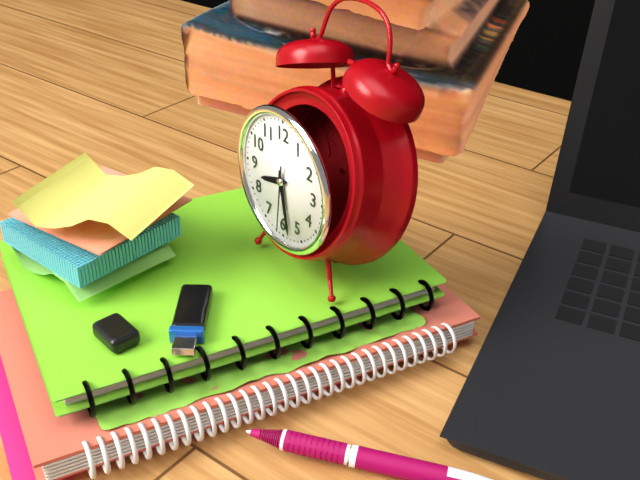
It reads {"hour": 8, "minute": 28, "second": 31}
